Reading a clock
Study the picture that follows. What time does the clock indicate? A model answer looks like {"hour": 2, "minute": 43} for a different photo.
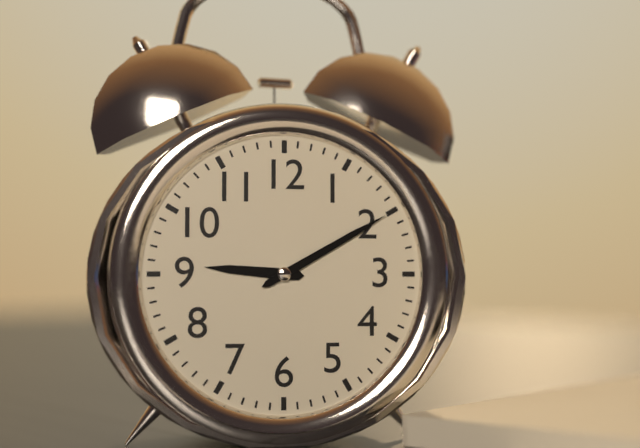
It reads {"hour": 9, "minute": 10}
